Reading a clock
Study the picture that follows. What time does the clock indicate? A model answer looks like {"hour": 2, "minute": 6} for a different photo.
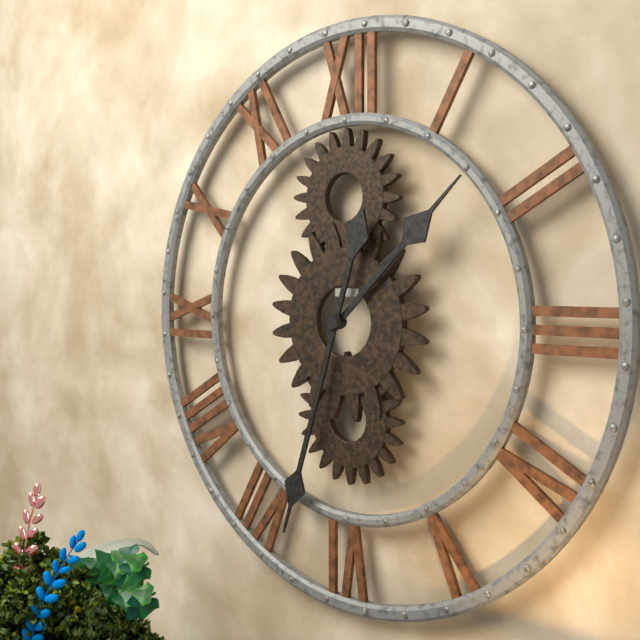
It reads {"hour": 1, "minute": 33}
